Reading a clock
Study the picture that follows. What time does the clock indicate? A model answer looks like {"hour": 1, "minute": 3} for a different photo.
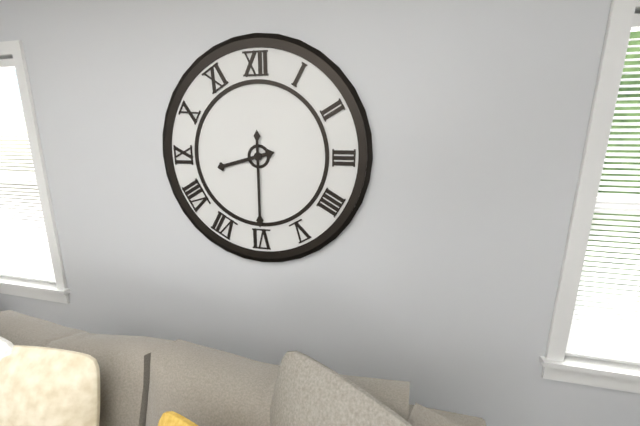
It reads {"hour": 8, "minute": 30}
